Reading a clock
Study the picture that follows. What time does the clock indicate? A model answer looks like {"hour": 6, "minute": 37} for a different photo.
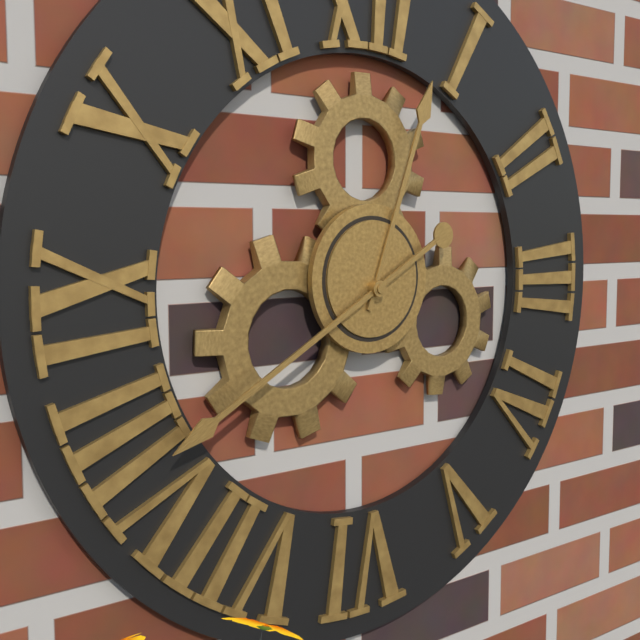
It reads {"hour": 12, "minute": 40}
